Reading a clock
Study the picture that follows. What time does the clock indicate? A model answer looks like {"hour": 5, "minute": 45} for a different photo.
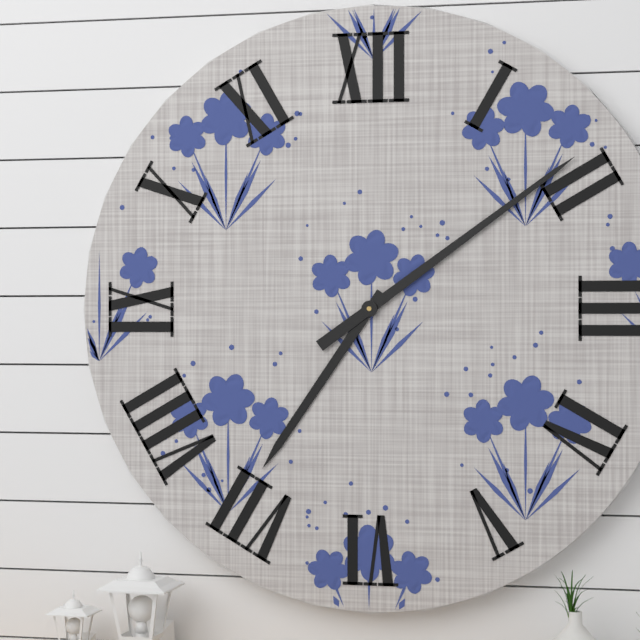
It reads {"hour": 7, "minute": 9}
